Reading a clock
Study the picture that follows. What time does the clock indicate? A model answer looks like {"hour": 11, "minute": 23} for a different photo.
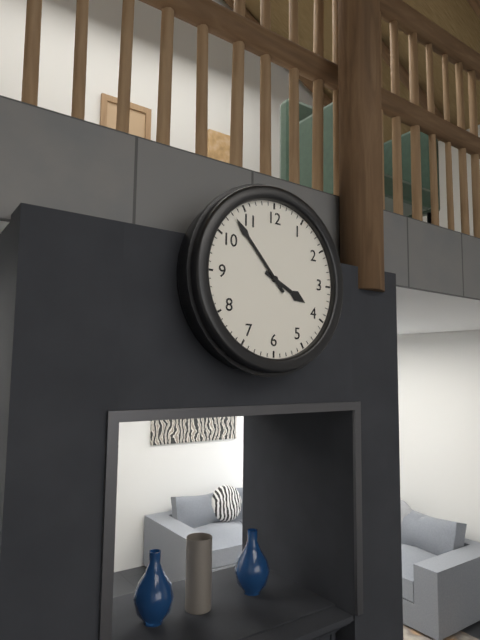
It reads {"hour": 3, "minute": 53}
